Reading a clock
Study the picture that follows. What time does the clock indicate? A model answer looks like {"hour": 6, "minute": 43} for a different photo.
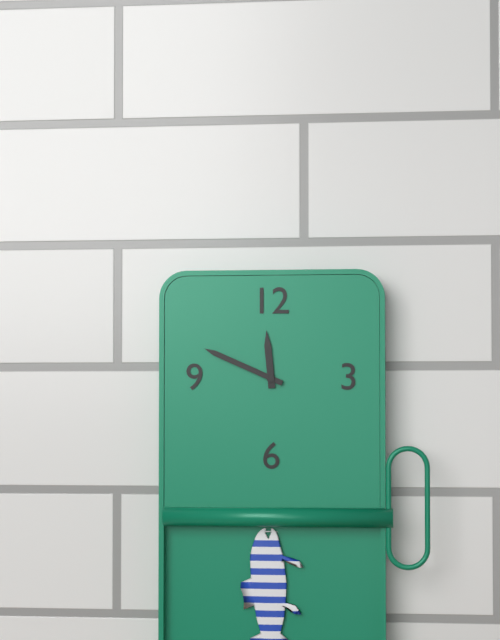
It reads {"hour": 11, "minute": 49}
